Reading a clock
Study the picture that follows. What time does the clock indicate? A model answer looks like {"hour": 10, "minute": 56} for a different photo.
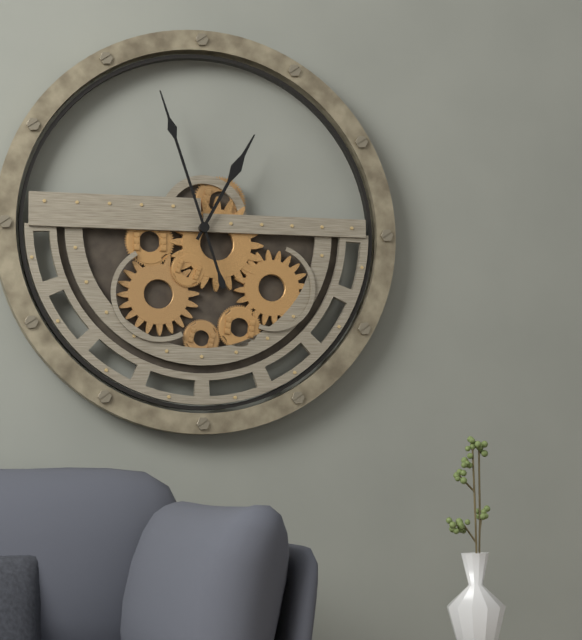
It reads {"hour": 12, "minute": 57}
